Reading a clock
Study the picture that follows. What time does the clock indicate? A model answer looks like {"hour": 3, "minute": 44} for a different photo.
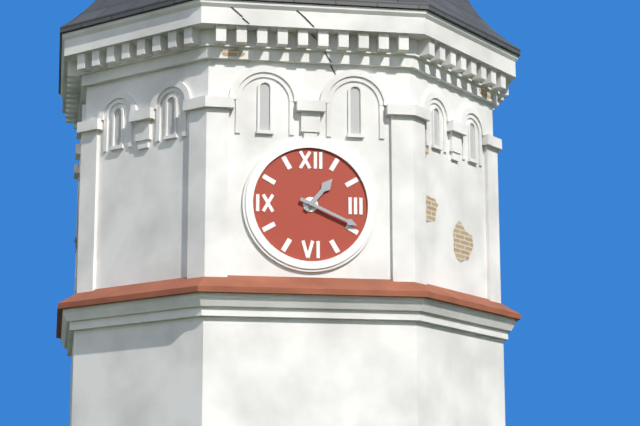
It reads {"hour": 1, "minute": 19}
